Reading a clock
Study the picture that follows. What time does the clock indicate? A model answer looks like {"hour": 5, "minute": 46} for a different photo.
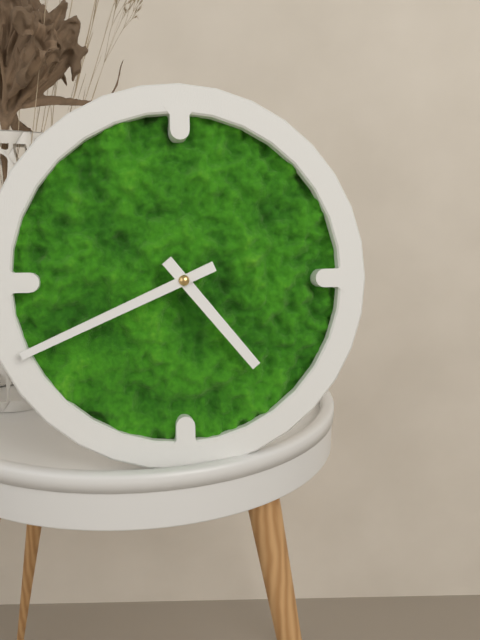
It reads {"hour": 4, "minute": 41}
